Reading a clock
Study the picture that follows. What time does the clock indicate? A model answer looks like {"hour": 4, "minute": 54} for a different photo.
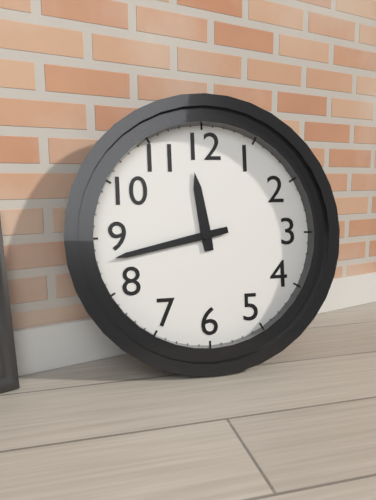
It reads {"hour": 11, "minute": 43}
